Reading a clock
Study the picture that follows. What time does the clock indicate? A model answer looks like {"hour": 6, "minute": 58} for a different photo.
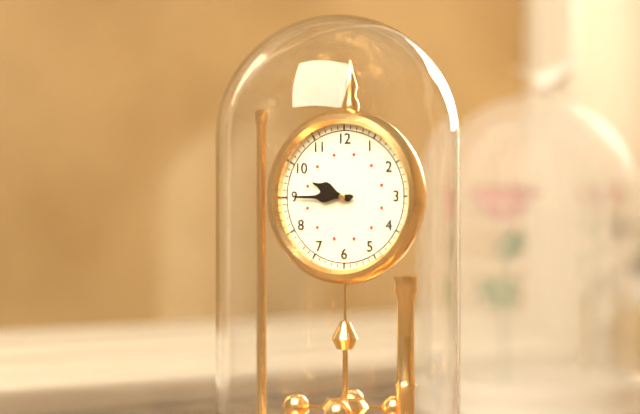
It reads {"hour": 9, "minute": 45}
